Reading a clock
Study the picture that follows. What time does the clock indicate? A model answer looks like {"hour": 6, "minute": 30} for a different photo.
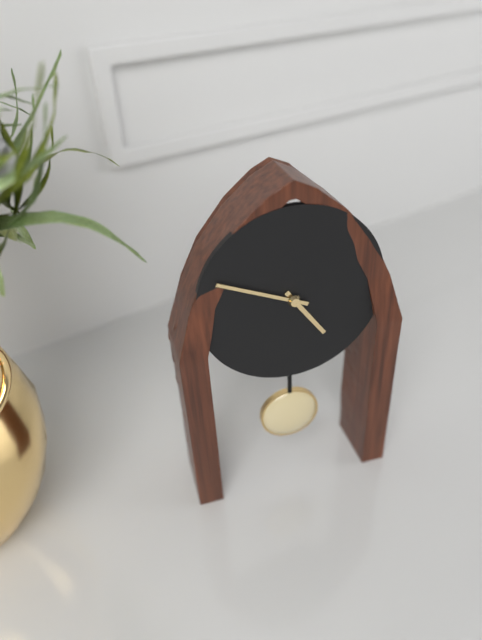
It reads {"hour": 4, "minute": 49}
